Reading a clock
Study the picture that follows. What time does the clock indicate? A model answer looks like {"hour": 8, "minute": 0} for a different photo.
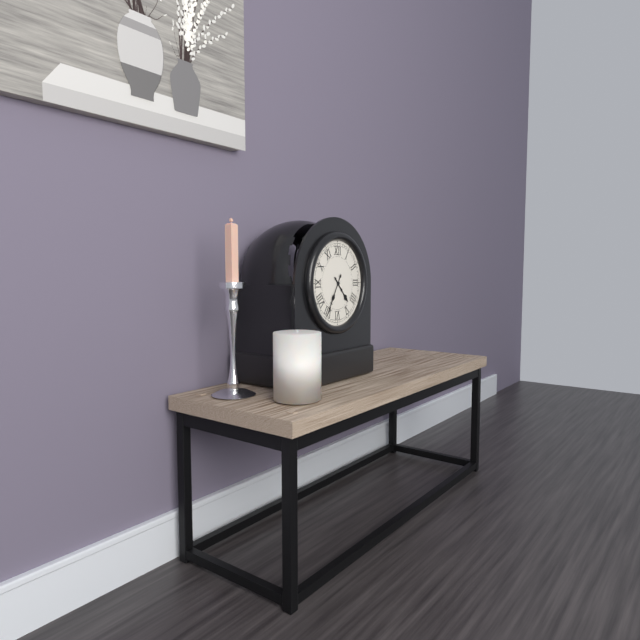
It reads {"hour": 4, "minute": 35}
